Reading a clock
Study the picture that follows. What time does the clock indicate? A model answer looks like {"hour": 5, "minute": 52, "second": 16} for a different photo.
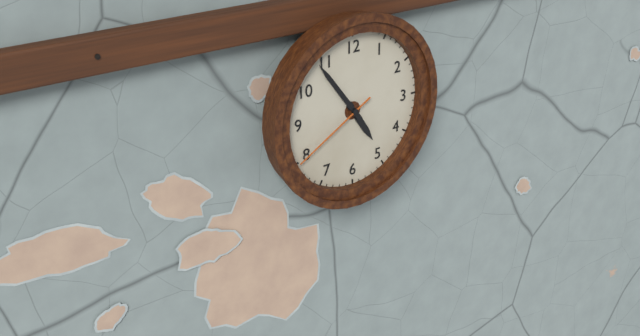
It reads {"hour": 4, "minute": 54, "second": 40}
